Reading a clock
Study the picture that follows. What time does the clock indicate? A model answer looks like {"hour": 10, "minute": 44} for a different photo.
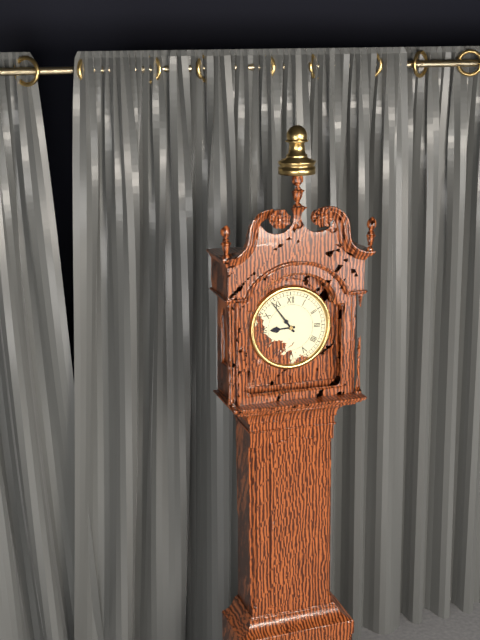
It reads {"hour": 8, "minute": 54}
